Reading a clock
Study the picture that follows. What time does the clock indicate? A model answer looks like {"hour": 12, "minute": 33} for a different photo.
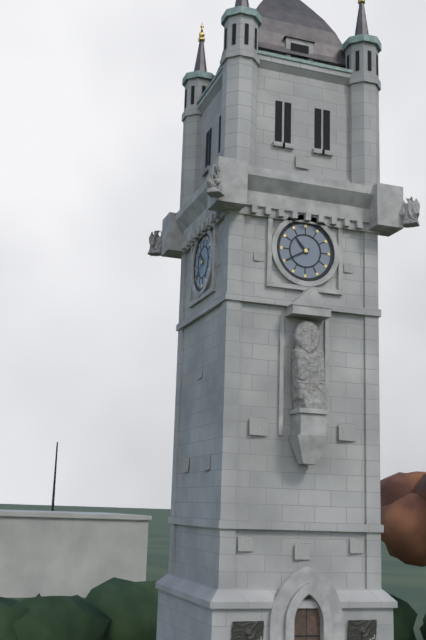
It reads {"hour": 10, "minute": 40}
